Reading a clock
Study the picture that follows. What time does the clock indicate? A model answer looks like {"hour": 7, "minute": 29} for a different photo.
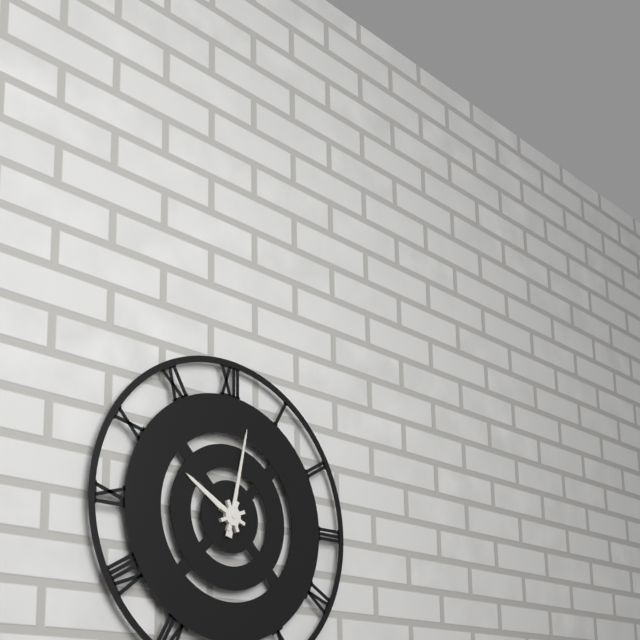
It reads {"hour": 10, "minute": 2}
